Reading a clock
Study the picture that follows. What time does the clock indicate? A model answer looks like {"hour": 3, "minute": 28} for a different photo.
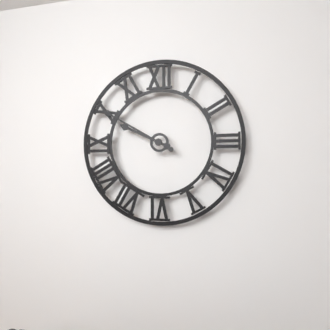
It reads {"hour": 9, "minute": 50}
